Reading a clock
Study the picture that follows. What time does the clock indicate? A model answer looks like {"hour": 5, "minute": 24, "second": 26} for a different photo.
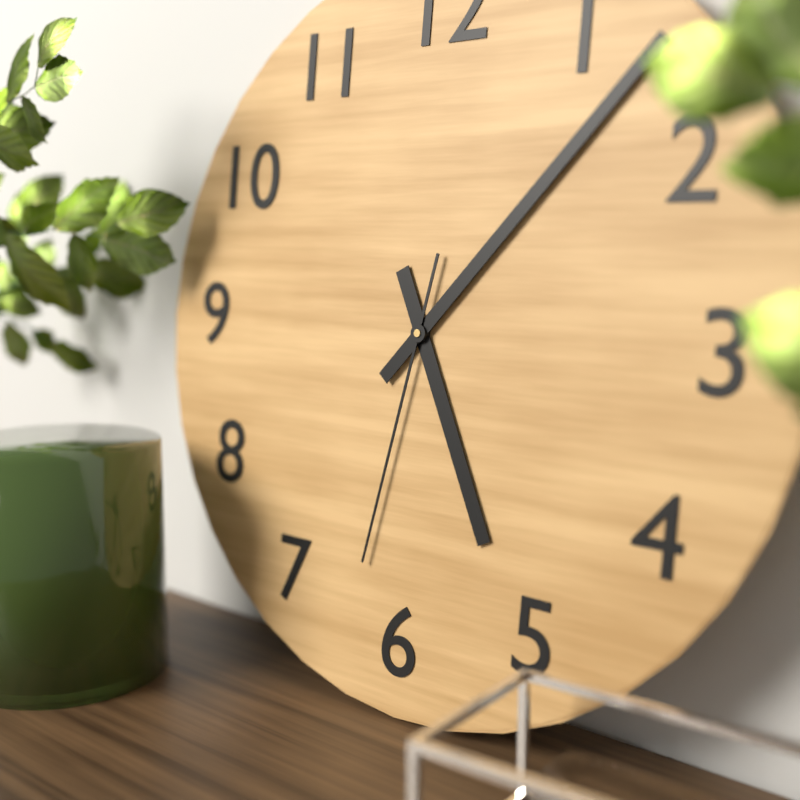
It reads {"hour": 5, "minute": 7, "second": 32}
